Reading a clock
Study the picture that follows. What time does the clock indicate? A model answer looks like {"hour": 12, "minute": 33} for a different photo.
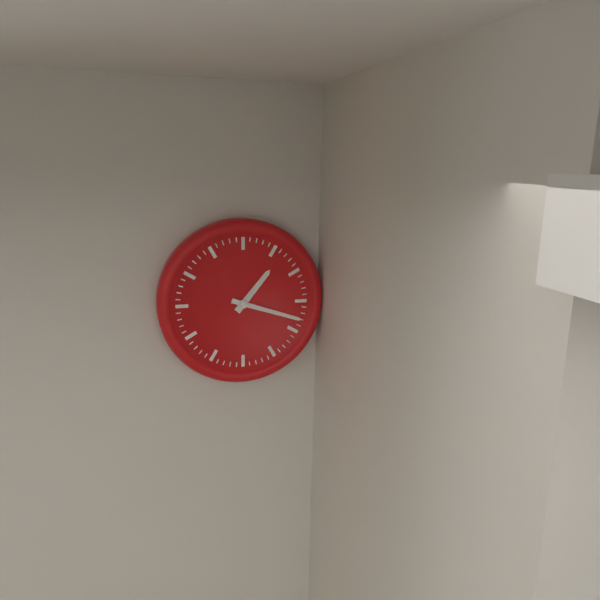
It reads {"hour": 1, "minute": 18}
